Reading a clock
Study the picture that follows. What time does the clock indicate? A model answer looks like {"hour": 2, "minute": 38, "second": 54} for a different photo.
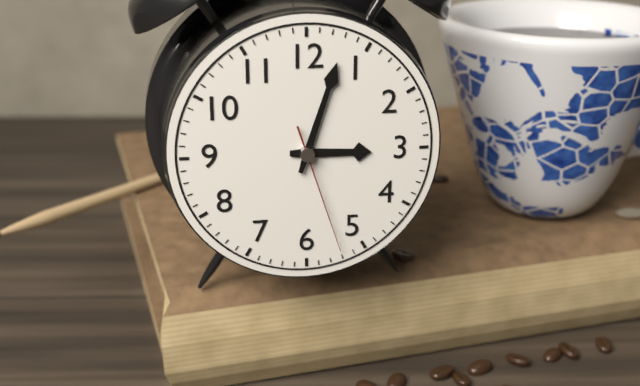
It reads {"hour": 3, "minute": 3, "second": 27}
